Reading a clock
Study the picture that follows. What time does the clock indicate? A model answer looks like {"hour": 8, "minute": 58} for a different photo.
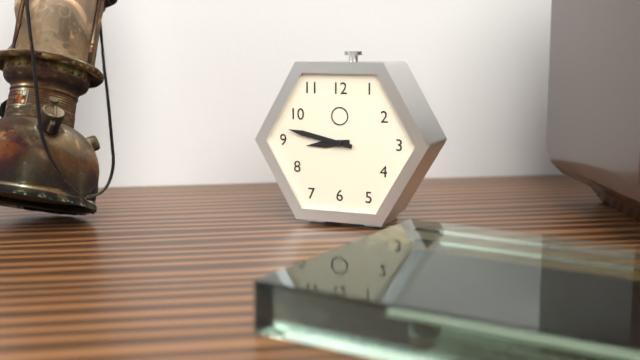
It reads {"hour": 8, "minute": 47}
